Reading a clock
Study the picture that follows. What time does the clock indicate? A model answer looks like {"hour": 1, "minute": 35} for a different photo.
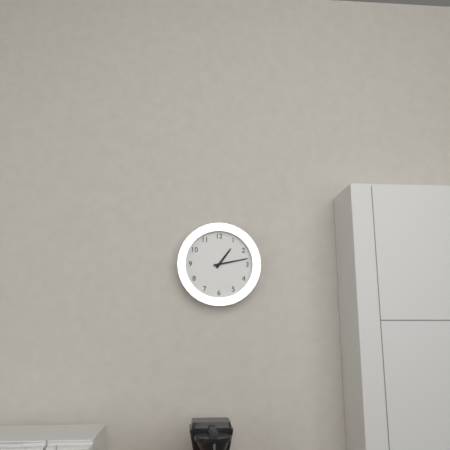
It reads {"hour": 1, "minute": 13}
